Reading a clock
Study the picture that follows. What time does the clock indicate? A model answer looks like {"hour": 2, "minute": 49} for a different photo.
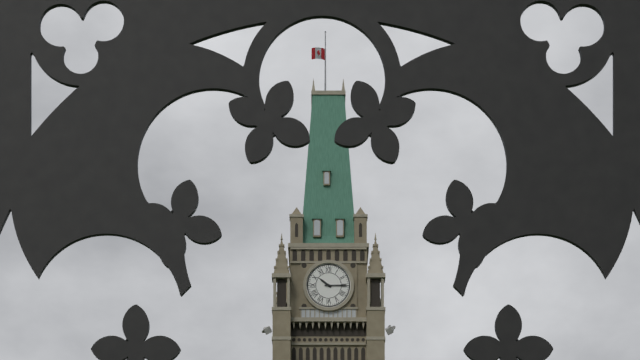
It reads {"hour": 10, "minute": 15}
